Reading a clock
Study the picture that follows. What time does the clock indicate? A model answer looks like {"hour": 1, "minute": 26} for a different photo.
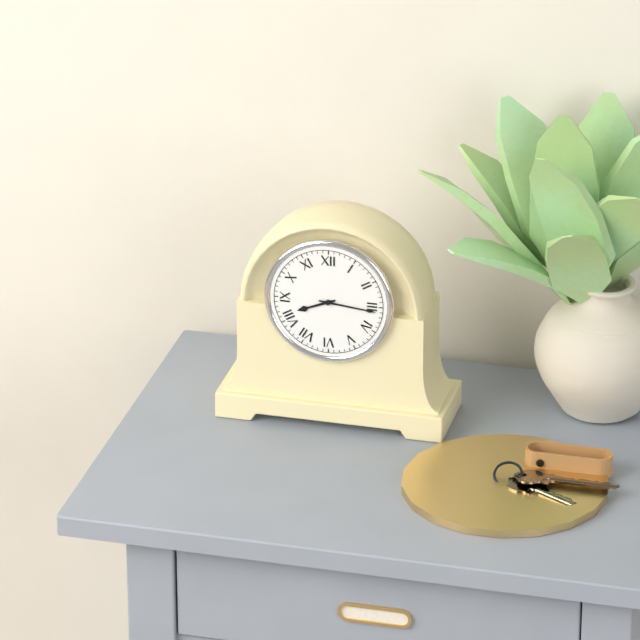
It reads {"hour": 8, "minute": 16}
